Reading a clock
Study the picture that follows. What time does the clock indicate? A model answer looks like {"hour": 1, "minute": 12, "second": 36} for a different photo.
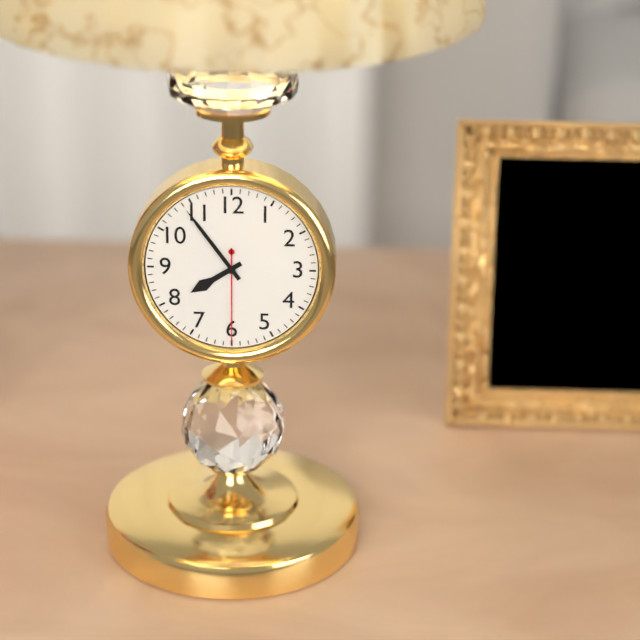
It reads {"hour": 7, "minute": 54, "second": 30}
